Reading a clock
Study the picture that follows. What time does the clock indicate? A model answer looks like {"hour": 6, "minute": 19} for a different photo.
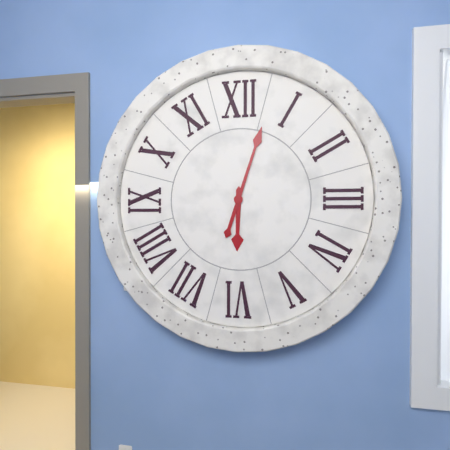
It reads {"hour": 6, "minute": 3}
